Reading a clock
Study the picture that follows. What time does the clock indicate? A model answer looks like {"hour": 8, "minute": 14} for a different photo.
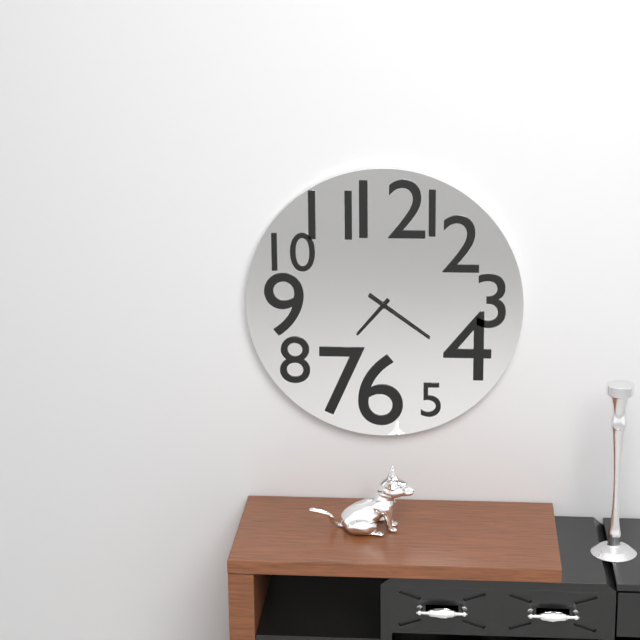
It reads {"hour": 7, "minute": 21}
